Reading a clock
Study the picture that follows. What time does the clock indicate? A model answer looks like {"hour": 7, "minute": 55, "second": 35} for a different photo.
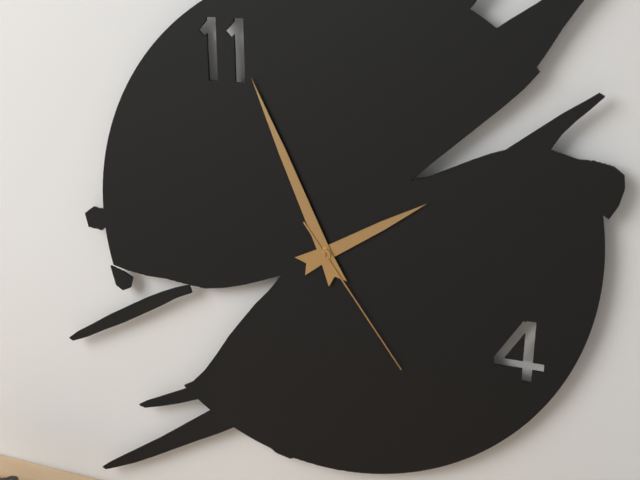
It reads {"hour": 1, "minute": 56, "second": 24}
